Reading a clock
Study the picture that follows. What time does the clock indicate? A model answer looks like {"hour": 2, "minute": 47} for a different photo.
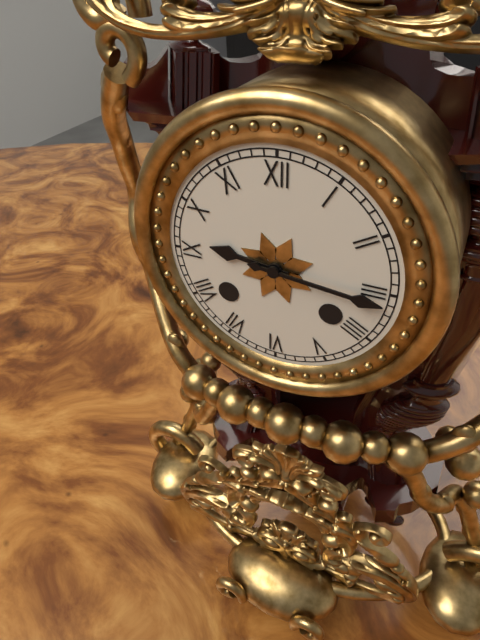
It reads {"hour": 9, "minute": 16}
